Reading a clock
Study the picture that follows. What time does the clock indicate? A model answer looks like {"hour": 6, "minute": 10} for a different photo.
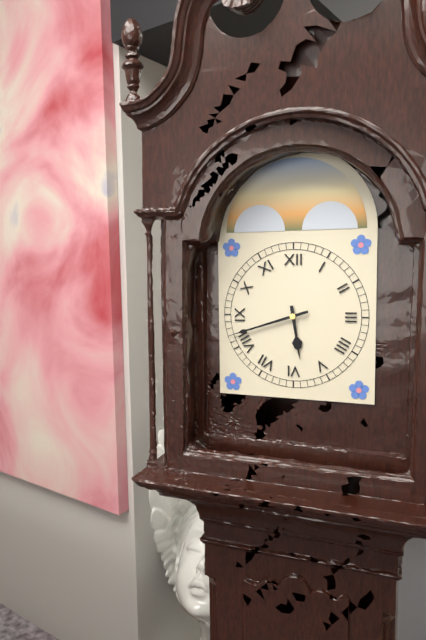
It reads {"hour": 5, "minute": 42}
